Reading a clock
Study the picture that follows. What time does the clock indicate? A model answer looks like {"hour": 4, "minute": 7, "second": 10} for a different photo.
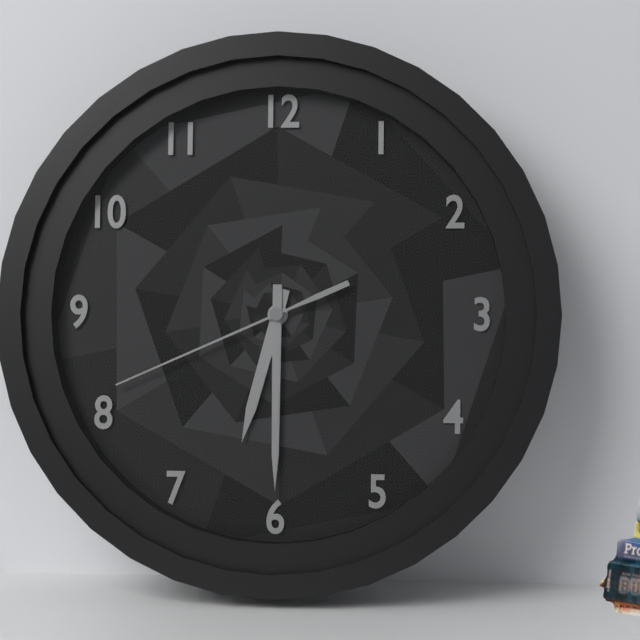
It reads {"hour": 6, "minute": 30, "second": 41}
